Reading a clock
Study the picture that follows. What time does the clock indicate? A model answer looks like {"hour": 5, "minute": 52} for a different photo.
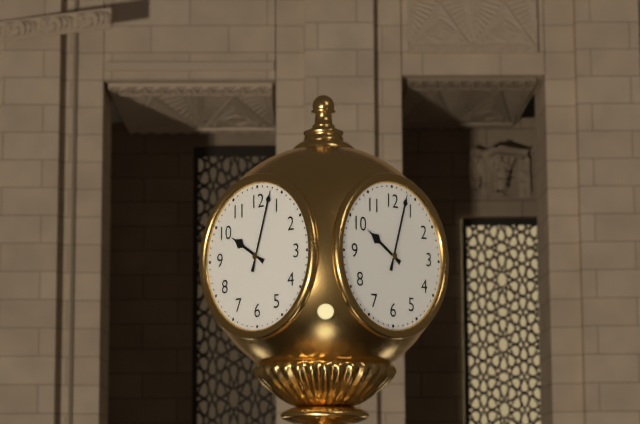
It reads {"hour": 10, "minute": 3}
